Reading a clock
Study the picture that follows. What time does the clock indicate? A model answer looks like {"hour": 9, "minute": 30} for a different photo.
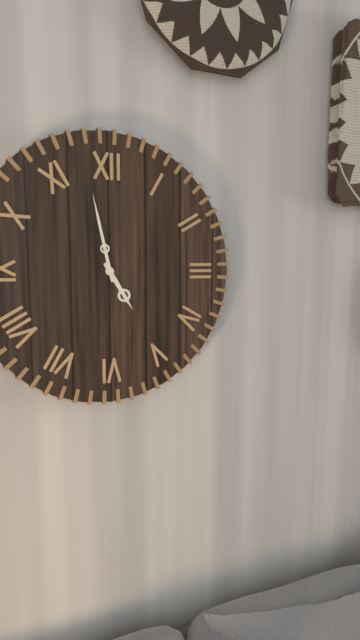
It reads {"hour": 4, "minute": 58}
